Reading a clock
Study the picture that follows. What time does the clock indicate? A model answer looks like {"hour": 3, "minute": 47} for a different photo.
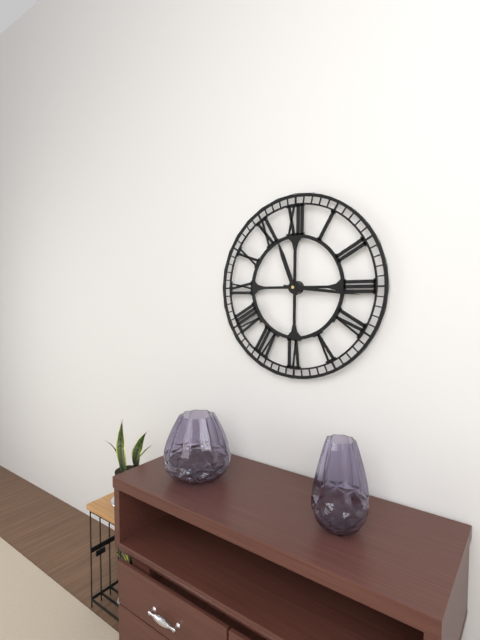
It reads {"hour": 11, "minute": 16}
